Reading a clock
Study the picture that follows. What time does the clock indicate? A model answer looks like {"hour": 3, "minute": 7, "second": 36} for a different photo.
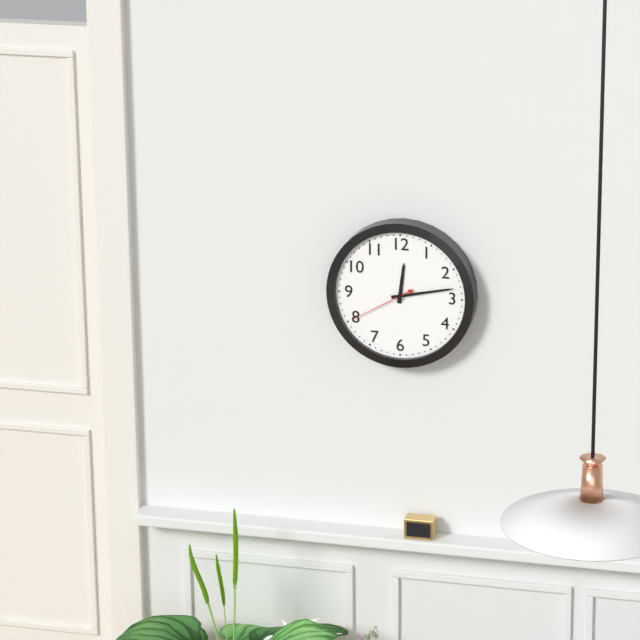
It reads {"hour": 12, "minute": 13, "second": 40}
